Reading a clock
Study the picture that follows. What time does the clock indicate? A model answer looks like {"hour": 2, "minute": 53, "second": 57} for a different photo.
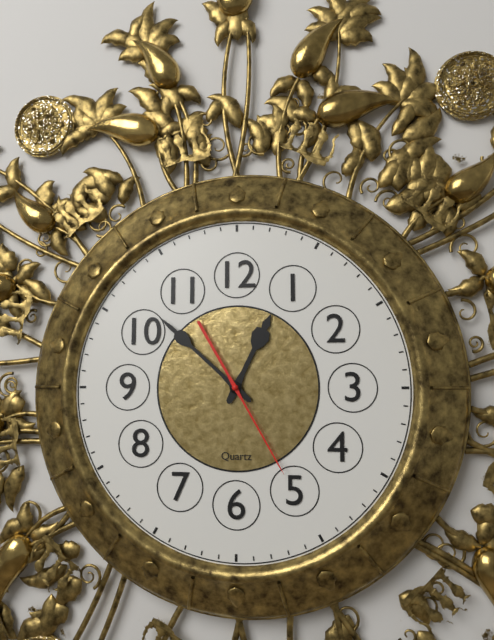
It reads {"hour": 12, "minute": 52, "second": 25}
